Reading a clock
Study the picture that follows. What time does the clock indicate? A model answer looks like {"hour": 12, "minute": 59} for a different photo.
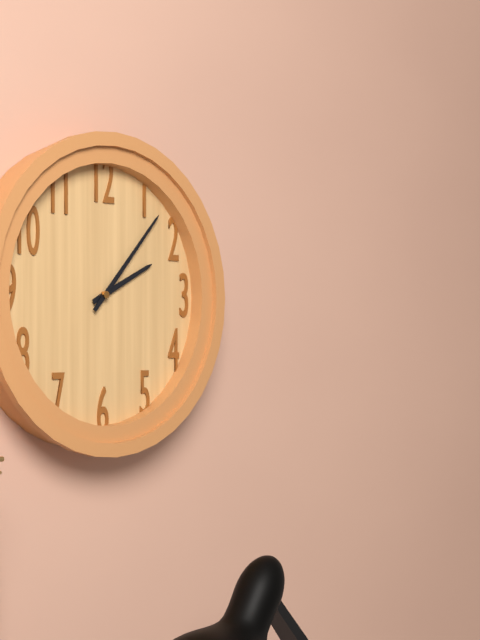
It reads {"hour": 2, "minute": 7}
